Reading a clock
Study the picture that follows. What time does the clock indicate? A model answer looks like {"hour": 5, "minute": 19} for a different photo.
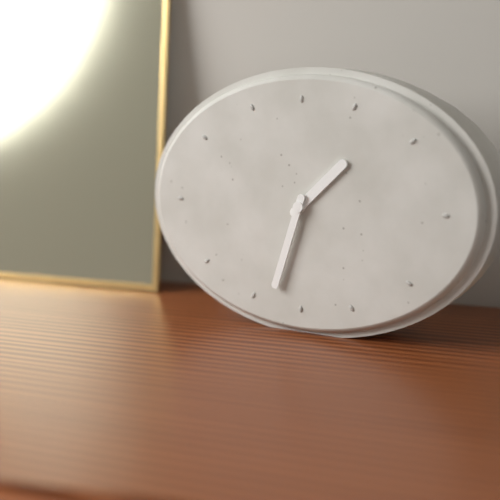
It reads {"hour": 1, "minute": 33}
